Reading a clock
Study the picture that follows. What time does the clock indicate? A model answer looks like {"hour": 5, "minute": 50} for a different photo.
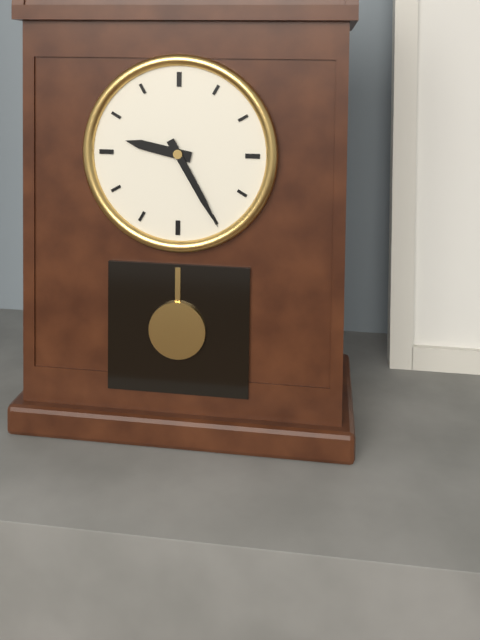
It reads {"hour": 9, "minute": 25}
